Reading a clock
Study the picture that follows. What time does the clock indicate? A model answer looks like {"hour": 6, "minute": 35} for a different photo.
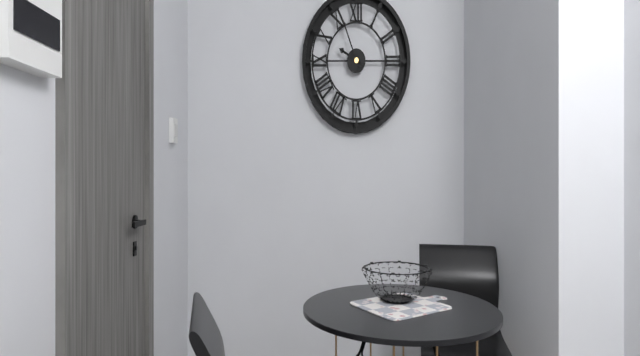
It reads {"hour": 9, "minute": 56}
